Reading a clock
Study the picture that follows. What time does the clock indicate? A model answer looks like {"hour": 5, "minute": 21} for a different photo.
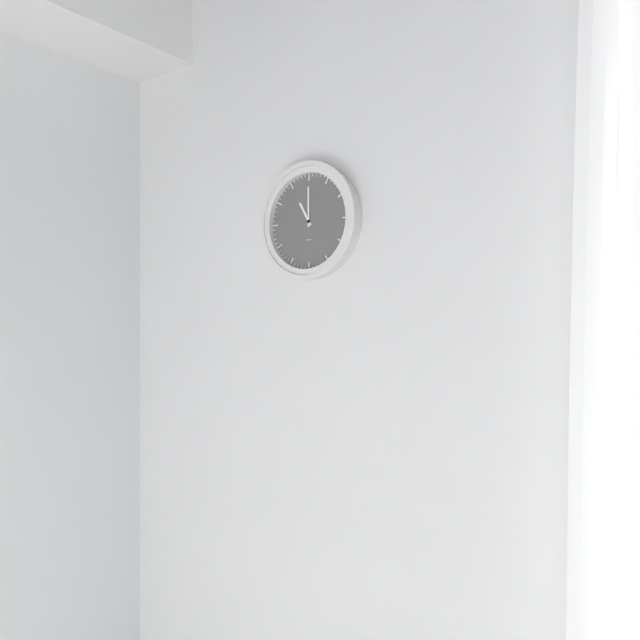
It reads {"hour": 11, "minute": 0}
